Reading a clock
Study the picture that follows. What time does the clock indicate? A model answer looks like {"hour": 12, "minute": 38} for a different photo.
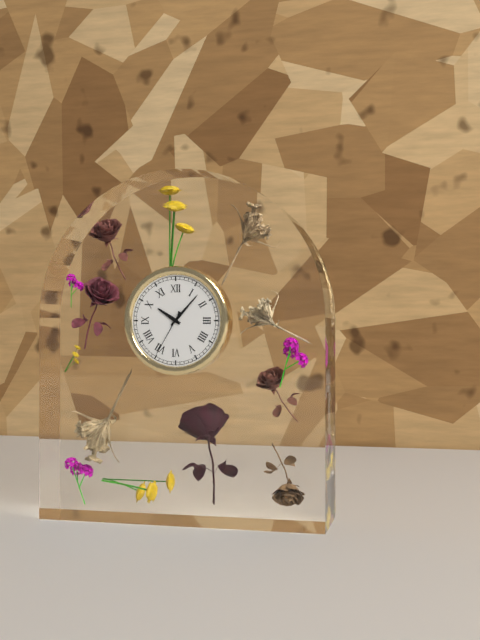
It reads {"hour": 10, "minute": 7}
